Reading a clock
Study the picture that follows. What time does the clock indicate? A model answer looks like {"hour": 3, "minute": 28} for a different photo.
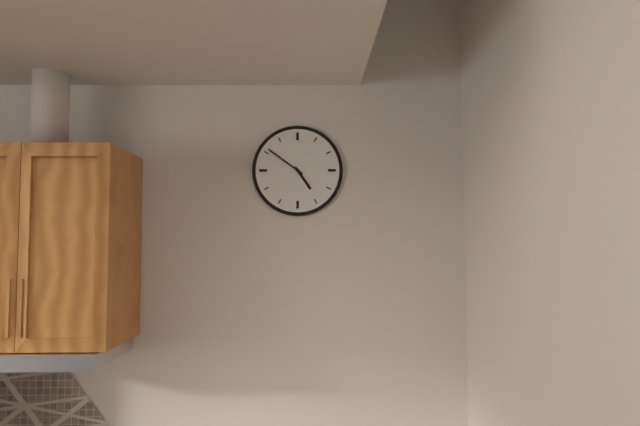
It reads {"hour": 4, "minute": 51}
